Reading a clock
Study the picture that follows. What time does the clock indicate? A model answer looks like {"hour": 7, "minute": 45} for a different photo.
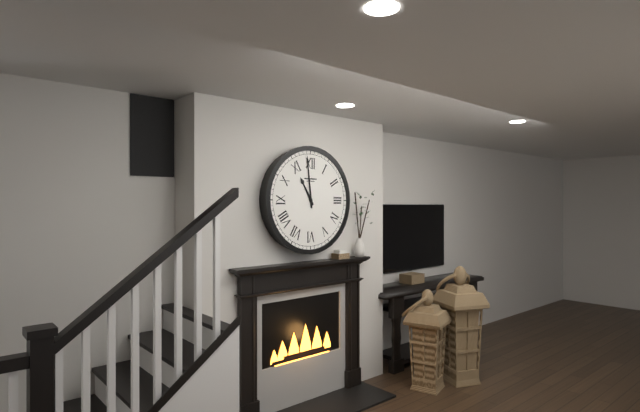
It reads {"hour": 10, "minute": 59}
